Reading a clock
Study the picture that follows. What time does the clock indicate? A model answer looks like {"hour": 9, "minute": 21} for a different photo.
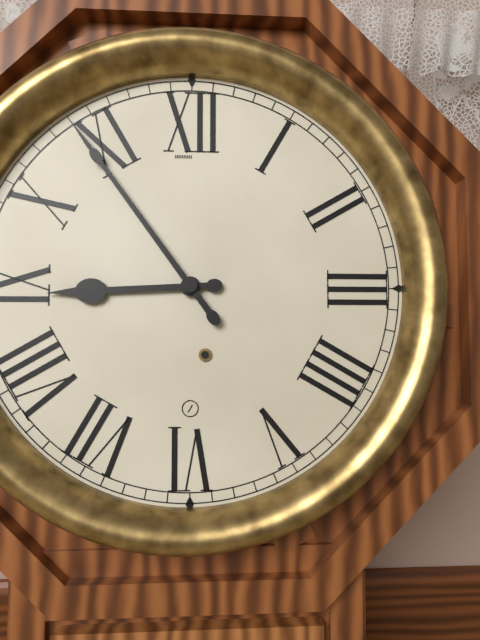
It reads {"hour": 8, "minute": 54}
